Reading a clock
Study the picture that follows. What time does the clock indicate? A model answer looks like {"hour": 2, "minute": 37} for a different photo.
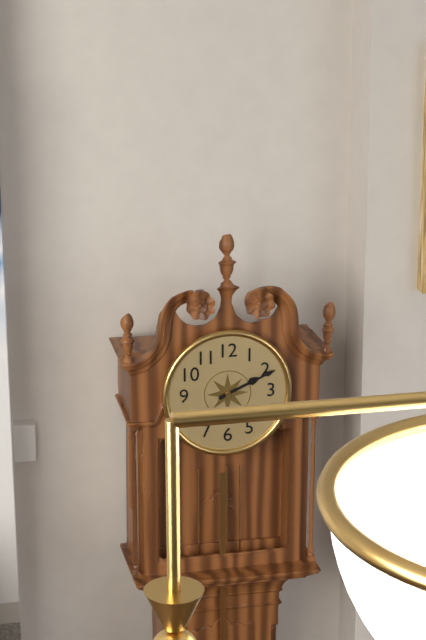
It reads {"hour": 2, "minute": 11}
